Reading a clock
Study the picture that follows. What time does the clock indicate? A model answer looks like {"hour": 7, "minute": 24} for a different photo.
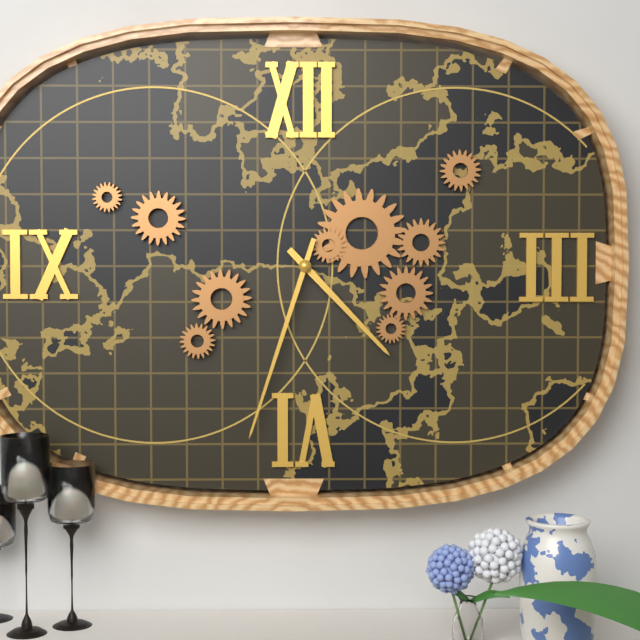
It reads {"hour": 4, "minute": 33}
